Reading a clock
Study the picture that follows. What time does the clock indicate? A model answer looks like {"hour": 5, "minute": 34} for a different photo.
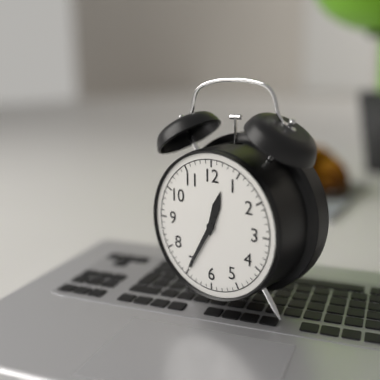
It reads {"hour": 12, "minute": 35}
